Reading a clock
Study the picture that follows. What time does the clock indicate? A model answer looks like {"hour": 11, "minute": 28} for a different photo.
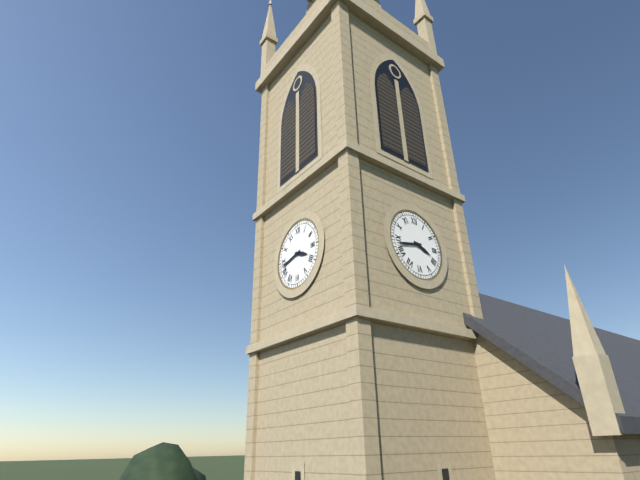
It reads {"hour": 3, "minute": 43}
